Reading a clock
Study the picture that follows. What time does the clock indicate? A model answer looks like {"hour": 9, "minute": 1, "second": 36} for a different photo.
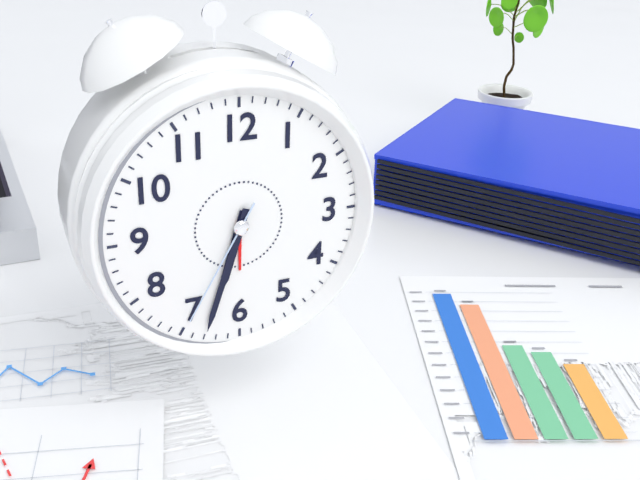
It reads {"hour": 6, "minute": 33, "second": 35}
